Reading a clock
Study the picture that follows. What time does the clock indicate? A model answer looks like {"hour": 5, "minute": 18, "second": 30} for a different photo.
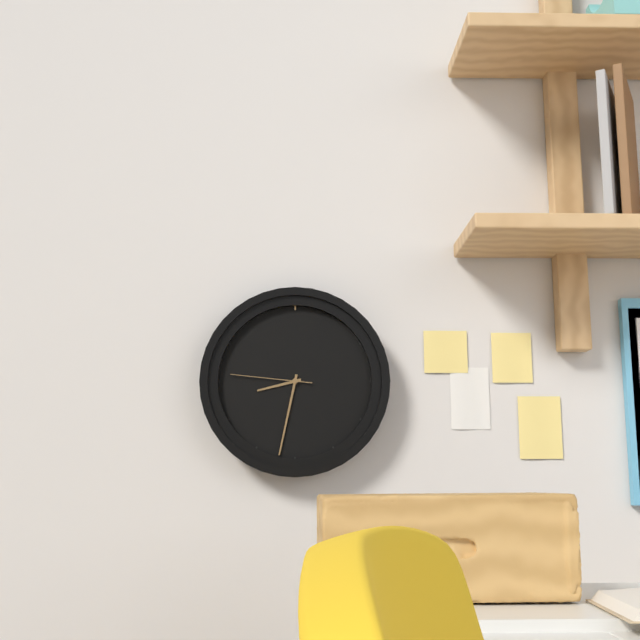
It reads {"hour": 8, "minute": 32, "second": 46}
